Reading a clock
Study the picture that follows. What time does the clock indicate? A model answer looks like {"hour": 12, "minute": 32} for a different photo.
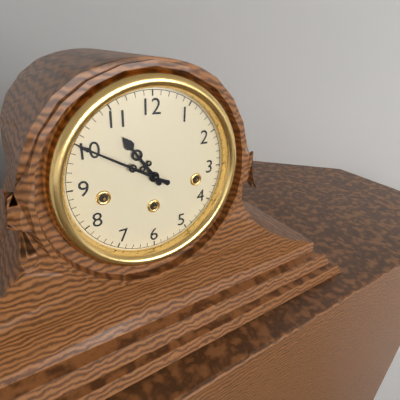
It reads {"hour": 10, "minute": 50}
